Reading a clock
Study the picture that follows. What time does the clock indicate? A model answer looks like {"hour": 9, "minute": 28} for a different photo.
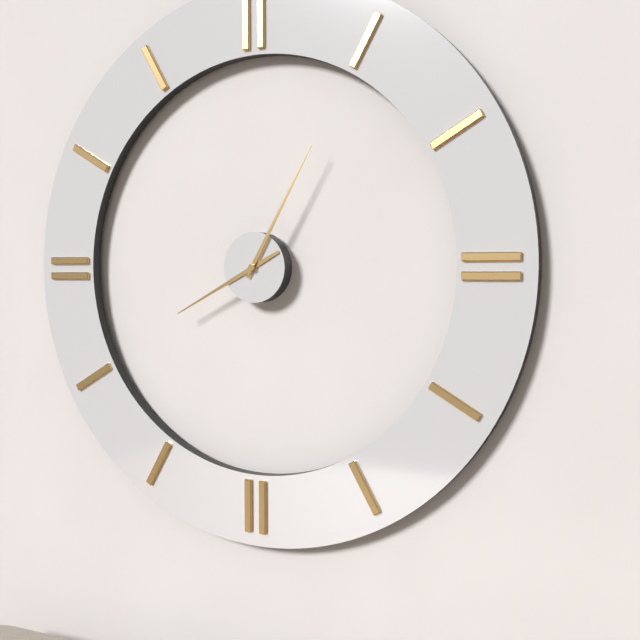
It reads {"hour": 8, "minute": 5}
